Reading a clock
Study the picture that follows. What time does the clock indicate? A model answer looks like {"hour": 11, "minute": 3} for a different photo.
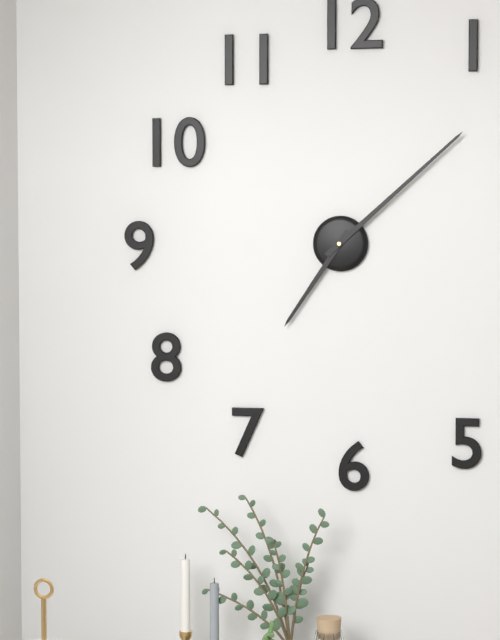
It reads {"hour": 7, "minute": 8}
